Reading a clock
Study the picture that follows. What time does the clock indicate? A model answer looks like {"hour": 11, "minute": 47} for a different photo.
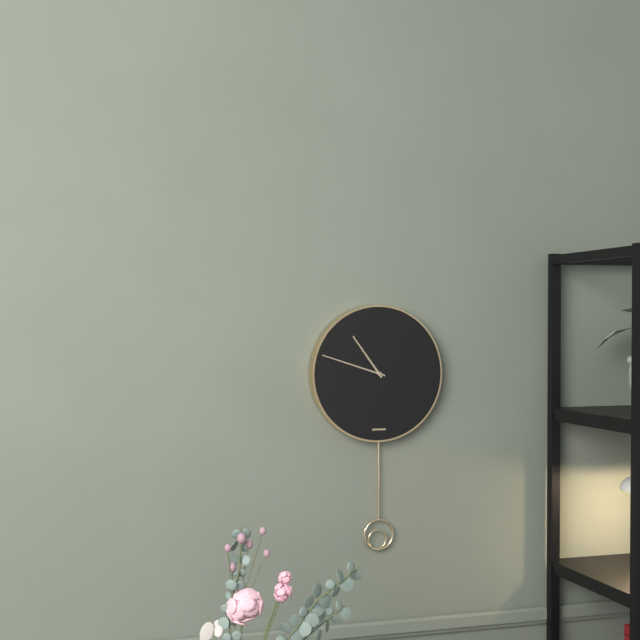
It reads {"hour": 10, "minute": 48}
